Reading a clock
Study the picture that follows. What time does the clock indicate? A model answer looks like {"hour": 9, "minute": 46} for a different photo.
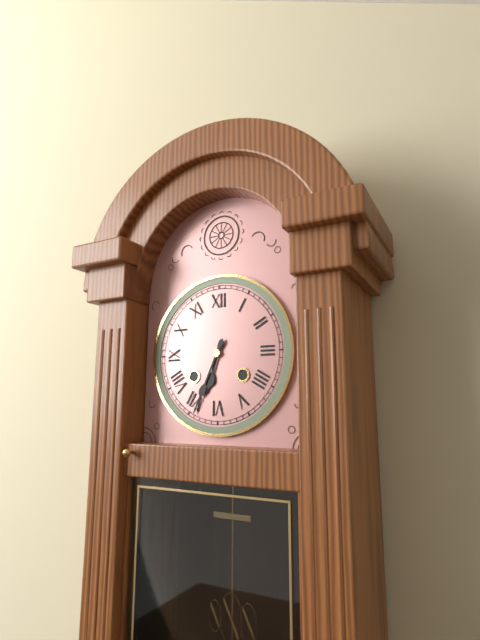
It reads {"hour": 6, "minute": 34}
